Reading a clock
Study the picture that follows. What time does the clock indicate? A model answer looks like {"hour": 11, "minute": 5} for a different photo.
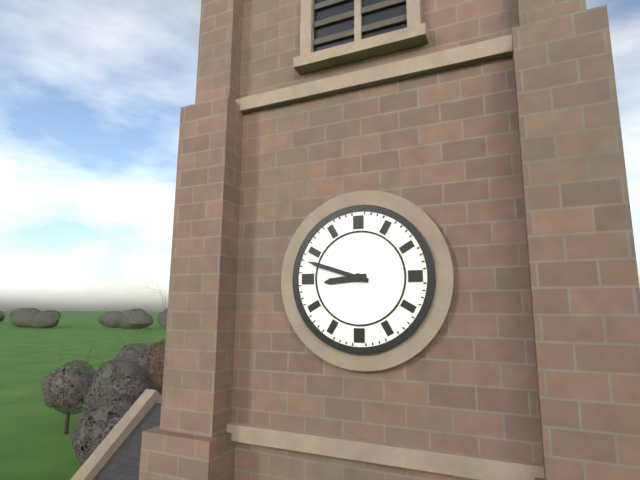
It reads {"hour": 8, "minute": 48}
